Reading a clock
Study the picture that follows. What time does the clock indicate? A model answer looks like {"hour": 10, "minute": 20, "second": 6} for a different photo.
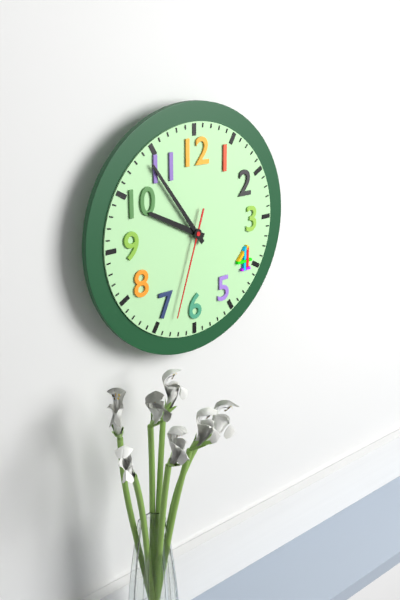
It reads {"hour": 9, "minute": 54, "second": 33}
